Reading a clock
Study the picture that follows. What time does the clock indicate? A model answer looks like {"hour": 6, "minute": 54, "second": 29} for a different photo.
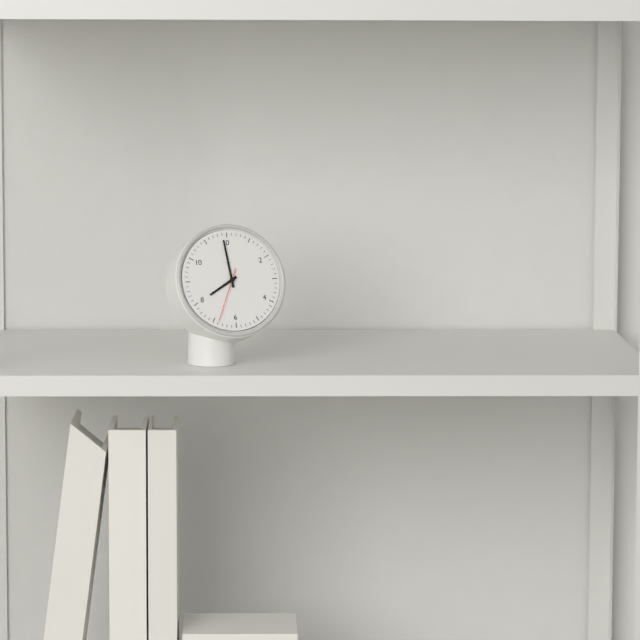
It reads {"hour": 7, "minute": 59, "second": 34}
